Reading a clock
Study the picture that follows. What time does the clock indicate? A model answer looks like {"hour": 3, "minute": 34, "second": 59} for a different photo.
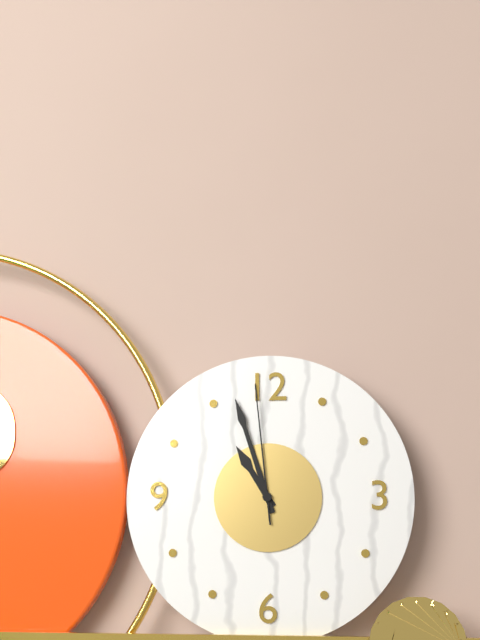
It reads {"hour": 10, "minute": 57, "second": 59}
